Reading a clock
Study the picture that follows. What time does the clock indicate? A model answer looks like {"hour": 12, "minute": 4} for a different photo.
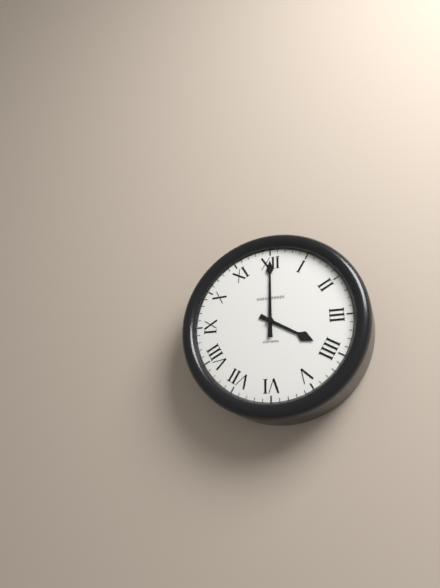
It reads {"hour": 4, "minute": 0}
